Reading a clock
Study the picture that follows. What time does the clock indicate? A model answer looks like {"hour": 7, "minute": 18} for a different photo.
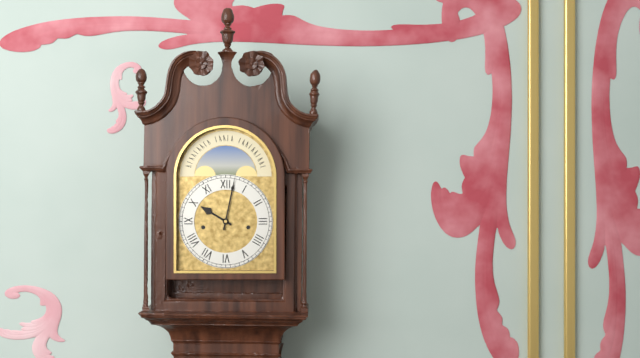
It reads {"hour": 10, "minute": 2}
